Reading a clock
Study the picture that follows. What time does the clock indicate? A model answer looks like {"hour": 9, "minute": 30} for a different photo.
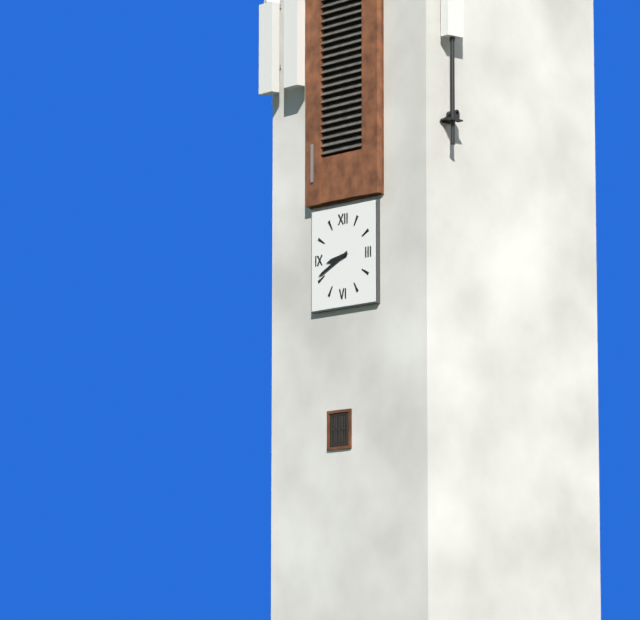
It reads {"hour": 8, "minute": 41}
